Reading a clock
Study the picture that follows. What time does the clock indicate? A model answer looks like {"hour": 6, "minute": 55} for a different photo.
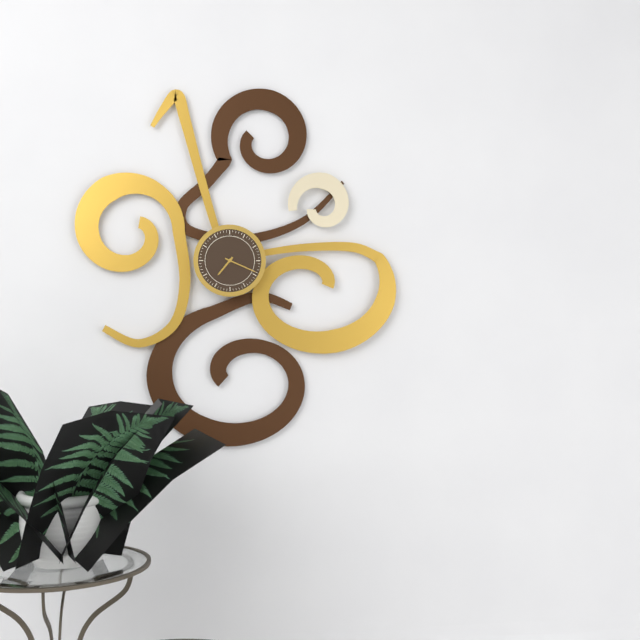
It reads {"hour": 7, "minute": 19}
